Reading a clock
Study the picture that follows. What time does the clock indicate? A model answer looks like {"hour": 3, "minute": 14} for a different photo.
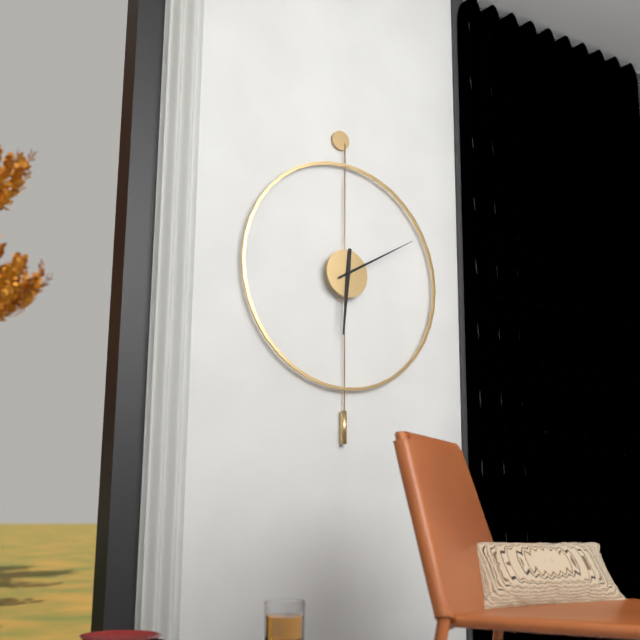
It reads {"hour": 6, "minute": 10}
